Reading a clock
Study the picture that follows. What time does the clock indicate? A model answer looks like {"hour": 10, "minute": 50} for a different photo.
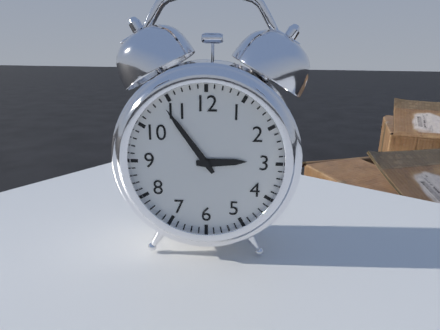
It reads {"hour": 2, "minute": 54}
